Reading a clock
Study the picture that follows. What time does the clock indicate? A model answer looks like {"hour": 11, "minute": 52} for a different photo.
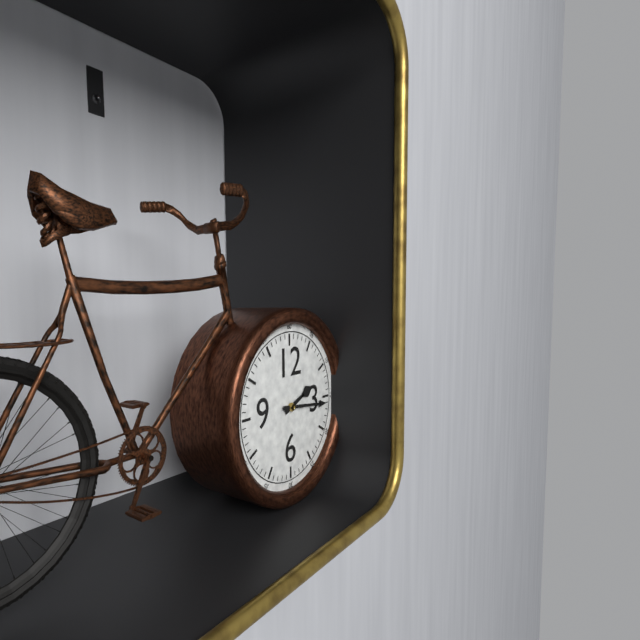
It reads {"hour": 2, "minute": 16}
